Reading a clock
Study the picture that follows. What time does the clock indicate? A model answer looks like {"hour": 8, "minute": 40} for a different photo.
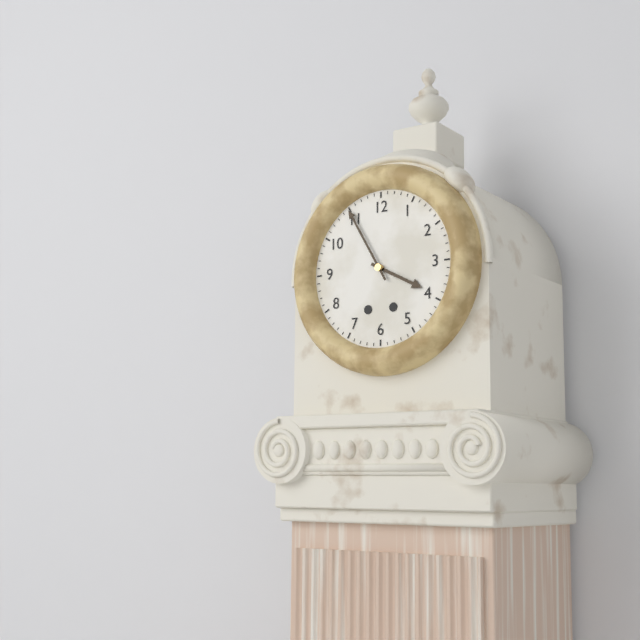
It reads {"hour": 3, "minute": 55}
